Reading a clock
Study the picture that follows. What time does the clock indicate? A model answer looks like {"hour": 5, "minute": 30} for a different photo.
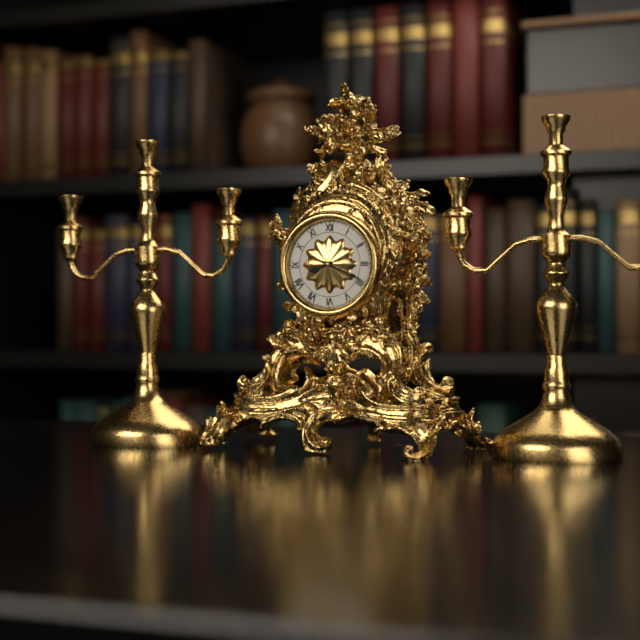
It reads {"hour": 8, "minute": 19}
